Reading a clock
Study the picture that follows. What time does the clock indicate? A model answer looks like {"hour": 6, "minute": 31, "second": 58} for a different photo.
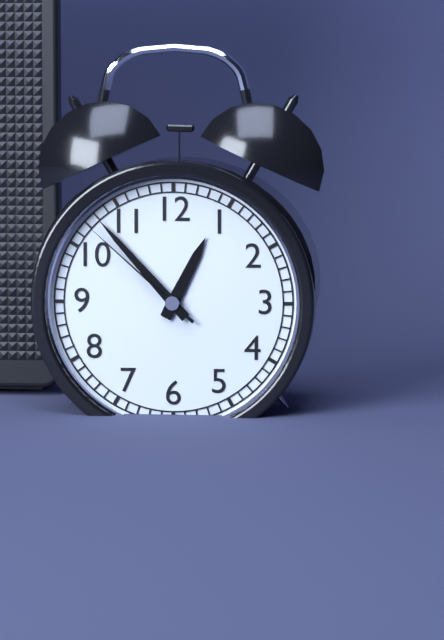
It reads {"hour": 12, "minute": 53, "second": 52}
